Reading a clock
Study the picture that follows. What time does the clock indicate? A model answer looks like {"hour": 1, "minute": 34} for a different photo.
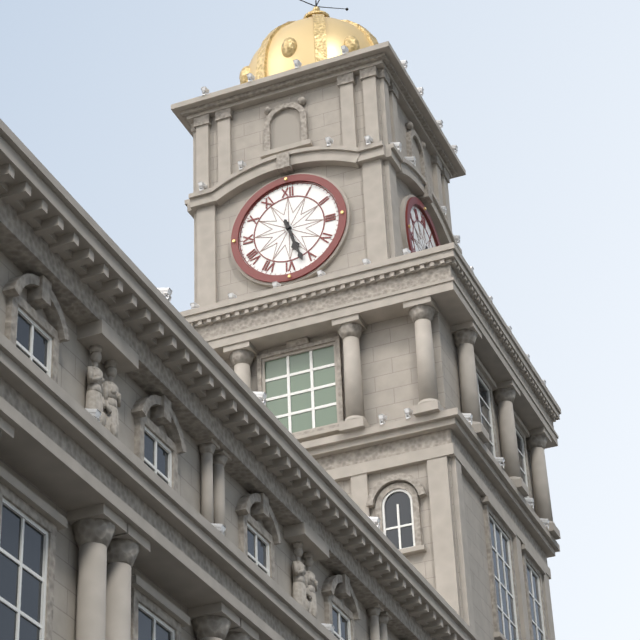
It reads {"hour": 5, "minute": 27}
